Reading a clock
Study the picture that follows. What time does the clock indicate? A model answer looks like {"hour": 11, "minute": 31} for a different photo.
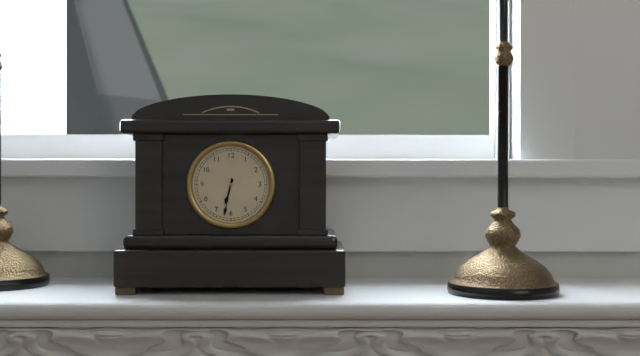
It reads {"hour": 6, "minute": 32}
